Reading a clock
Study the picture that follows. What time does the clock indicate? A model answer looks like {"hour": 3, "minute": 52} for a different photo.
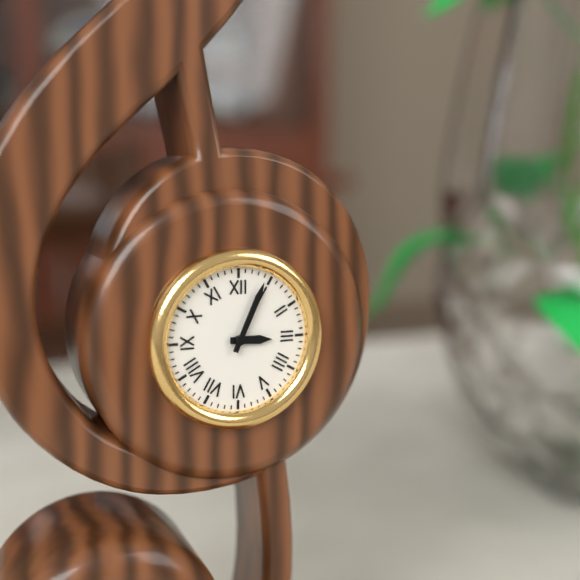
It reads {"hour": 3, "minute": 4}
